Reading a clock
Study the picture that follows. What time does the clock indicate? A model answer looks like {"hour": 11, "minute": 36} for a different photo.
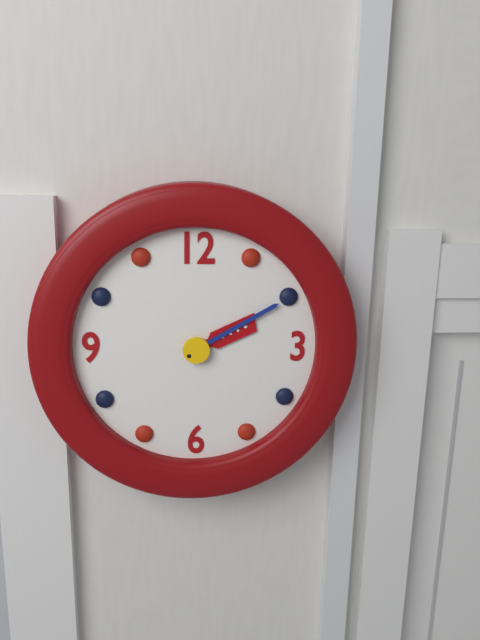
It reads {"hour": 2, "minute": 10}
